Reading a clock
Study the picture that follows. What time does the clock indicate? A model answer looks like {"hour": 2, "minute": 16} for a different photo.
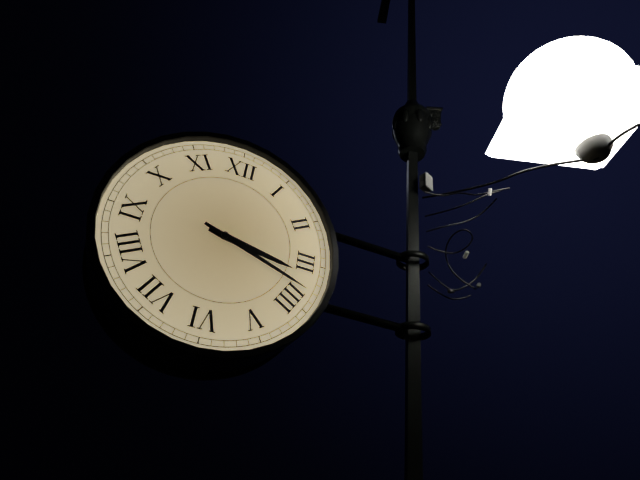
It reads {"hour": 3, "minute": 18}
